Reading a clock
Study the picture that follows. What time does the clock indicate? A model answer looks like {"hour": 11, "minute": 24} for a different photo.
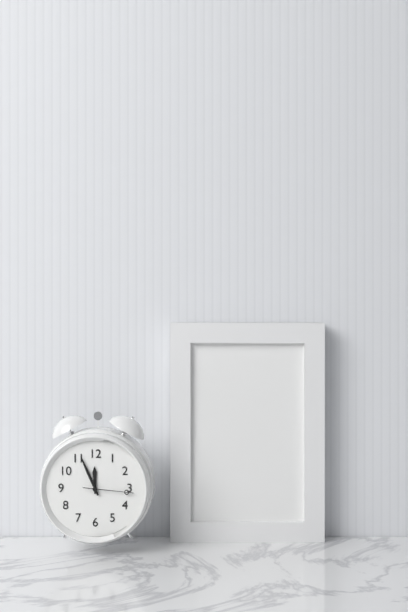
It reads {"hour": 11, "minute": 56}
